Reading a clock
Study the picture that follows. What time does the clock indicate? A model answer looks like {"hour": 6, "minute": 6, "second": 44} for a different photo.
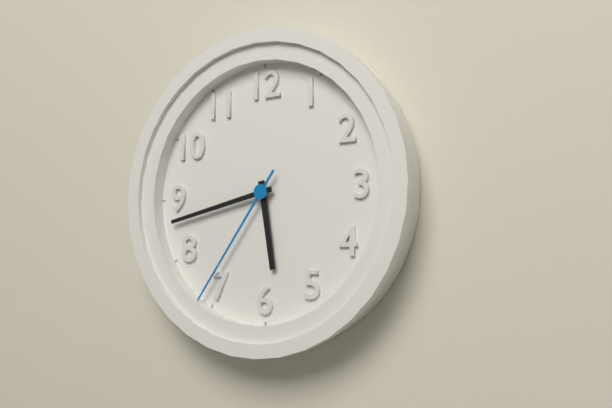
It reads {"hour": 5, "minute": 43, "second": 36}
